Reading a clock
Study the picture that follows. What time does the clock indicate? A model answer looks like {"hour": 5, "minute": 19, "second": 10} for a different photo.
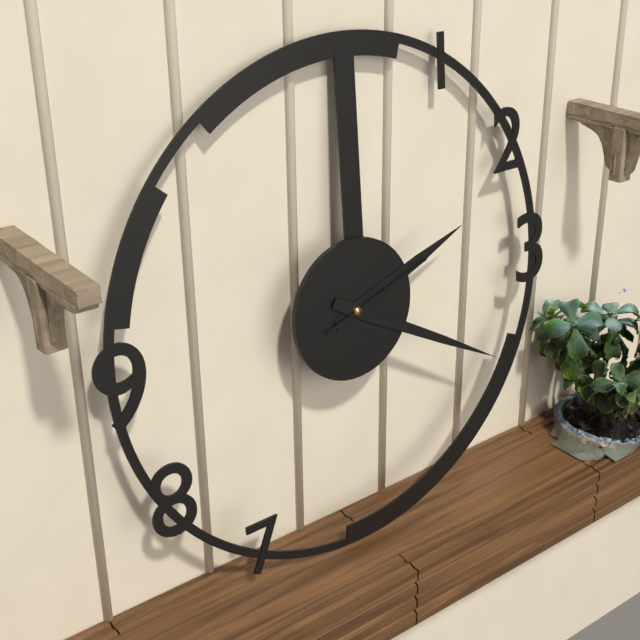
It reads {"hour": 2, "minute": 20, "second": 12}
